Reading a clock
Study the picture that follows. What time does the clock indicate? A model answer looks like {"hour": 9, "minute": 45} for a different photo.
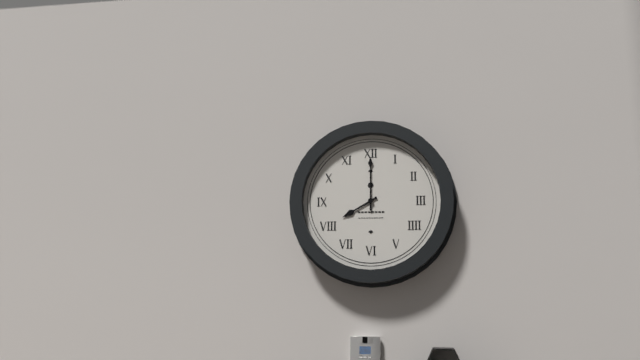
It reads {"hour": 8, "minute": 0}
